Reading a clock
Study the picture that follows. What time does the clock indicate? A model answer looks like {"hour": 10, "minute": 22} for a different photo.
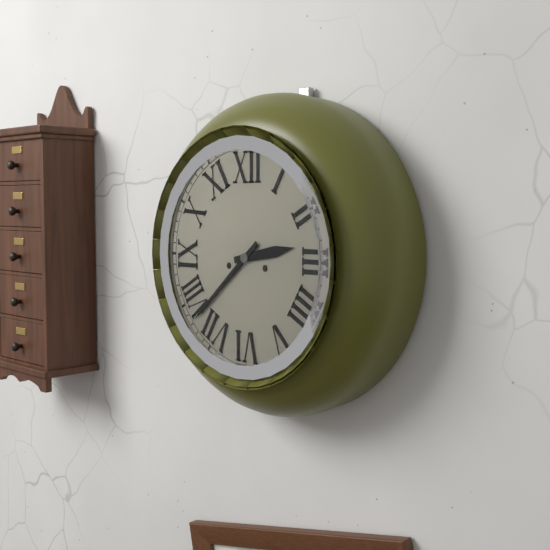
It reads {"hour": 2, "minute": 38}
